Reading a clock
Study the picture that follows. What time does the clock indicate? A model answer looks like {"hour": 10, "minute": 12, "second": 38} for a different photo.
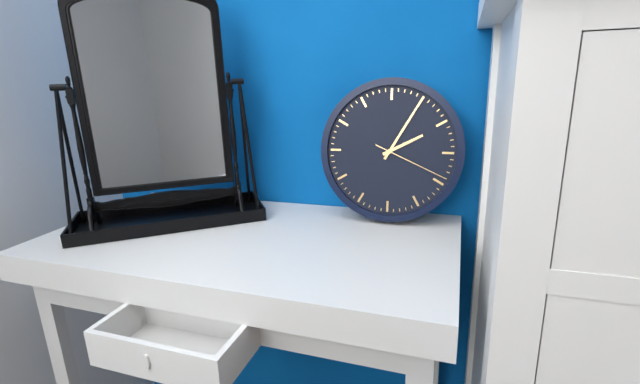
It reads {"hour": 2, "minute": 5, "second": 19}
